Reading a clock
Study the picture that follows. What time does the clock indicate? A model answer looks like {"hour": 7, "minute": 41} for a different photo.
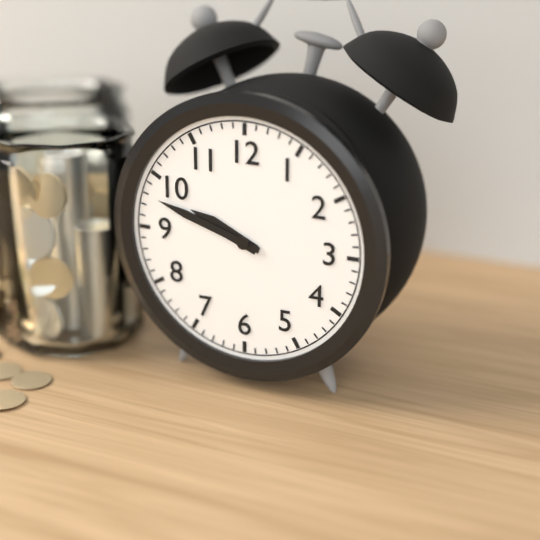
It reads {"hour": 9, "minute": 48}
